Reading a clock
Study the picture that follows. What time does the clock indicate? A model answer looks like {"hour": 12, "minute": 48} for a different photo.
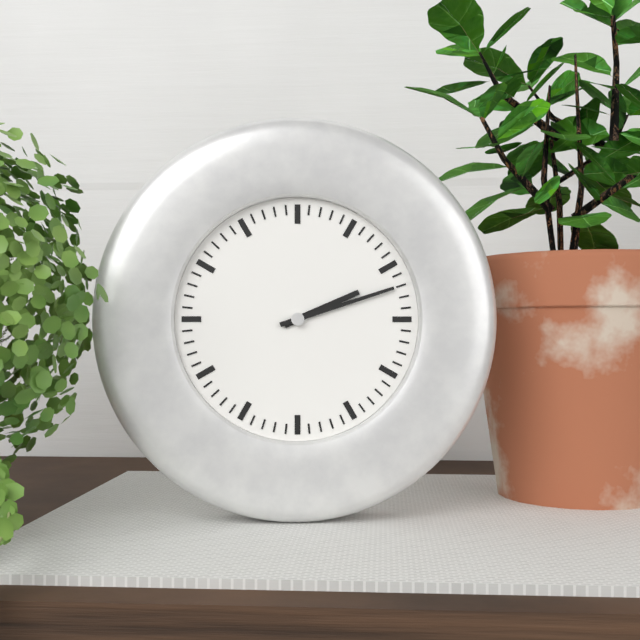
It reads {"hour": 2, "minute": 12}
